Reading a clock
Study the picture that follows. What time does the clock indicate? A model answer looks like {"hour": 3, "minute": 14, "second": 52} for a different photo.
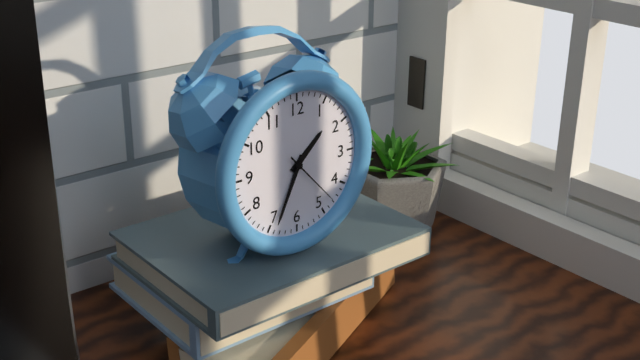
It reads {"hour": 1, "minute": 34, "second": 23}
